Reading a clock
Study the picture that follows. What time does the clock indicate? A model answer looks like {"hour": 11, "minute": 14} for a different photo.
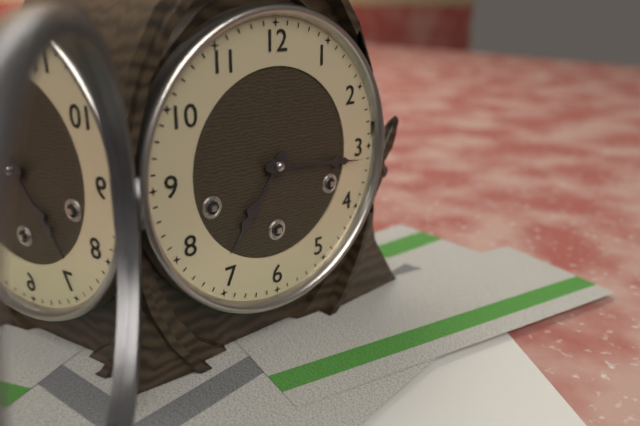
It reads {"hour": 7, "minute": 16}
